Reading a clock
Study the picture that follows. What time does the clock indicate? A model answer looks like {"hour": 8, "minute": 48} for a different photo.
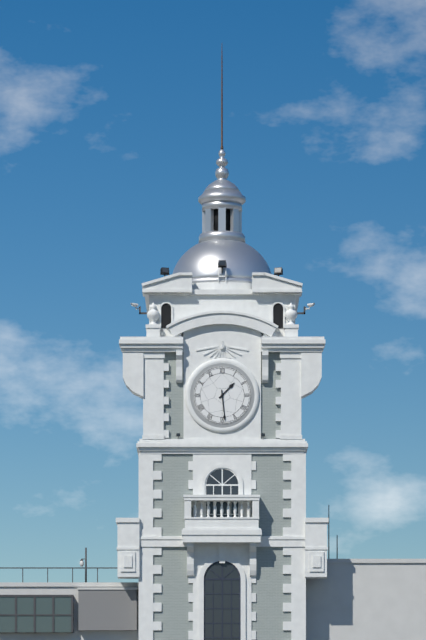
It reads {"hour": 1, "minute": 29}
